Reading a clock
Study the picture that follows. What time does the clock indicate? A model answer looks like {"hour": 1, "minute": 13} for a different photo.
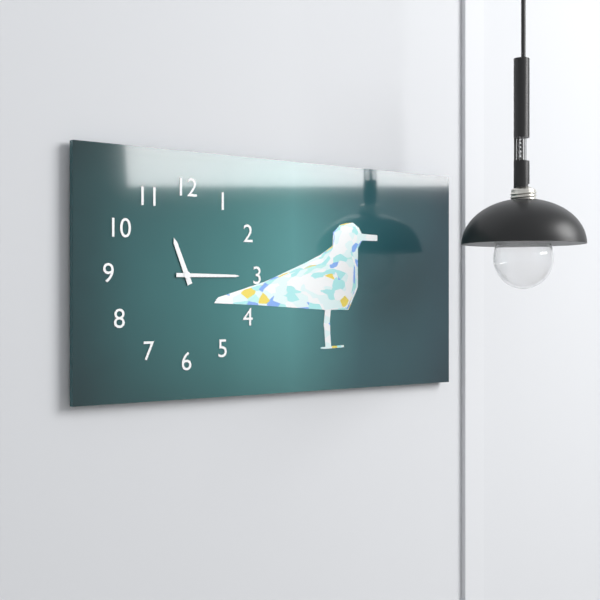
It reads {"hour": 11, "minute": 15}
